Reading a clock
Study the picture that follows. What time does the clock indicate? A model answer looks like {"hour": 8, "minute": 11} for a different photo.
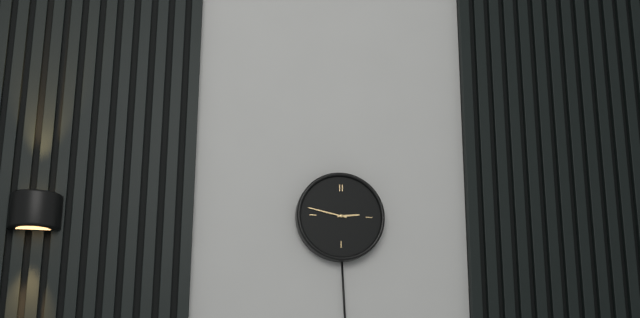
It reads {"hour": 2, "minute": 47}
